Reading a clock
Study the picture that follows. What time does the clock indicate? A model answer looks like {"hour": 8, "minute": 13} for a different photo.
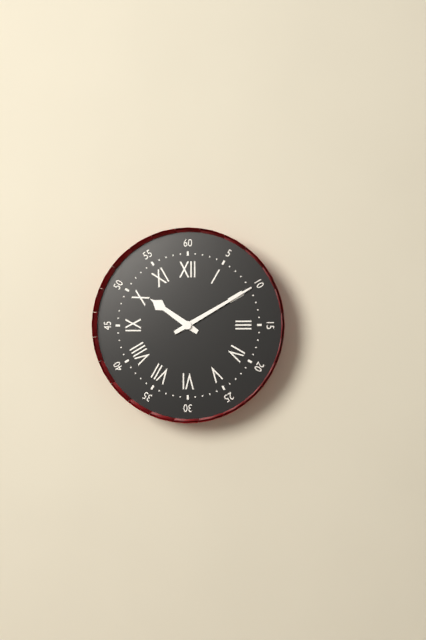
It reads {"hour": 10, "minute": 10}
